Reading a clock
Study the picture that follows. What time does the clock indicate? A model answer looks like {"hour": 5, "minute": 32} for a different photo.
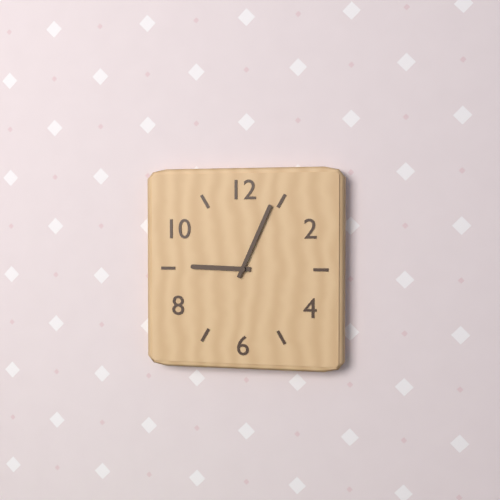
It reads {"hour": 9, "minute": 4}
